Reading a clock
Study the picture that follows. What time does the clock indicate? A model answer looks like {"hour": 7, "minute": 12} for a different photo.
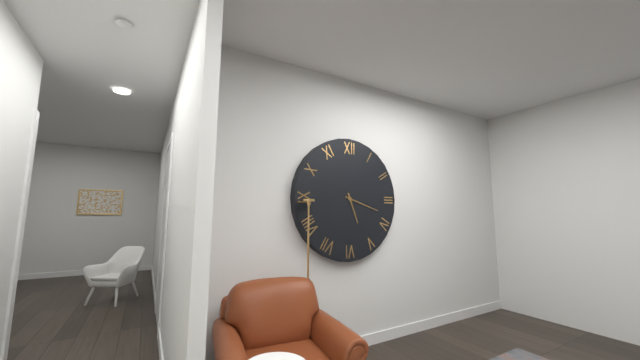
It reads {"hour": 5, "minute": 18}
